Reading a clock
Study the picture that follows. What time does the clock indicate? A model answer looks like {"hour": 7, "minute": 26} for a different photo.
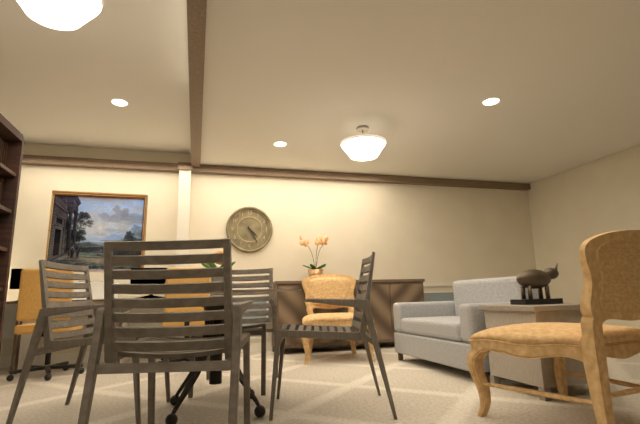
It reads {"hour": 4, "minute": 25}
